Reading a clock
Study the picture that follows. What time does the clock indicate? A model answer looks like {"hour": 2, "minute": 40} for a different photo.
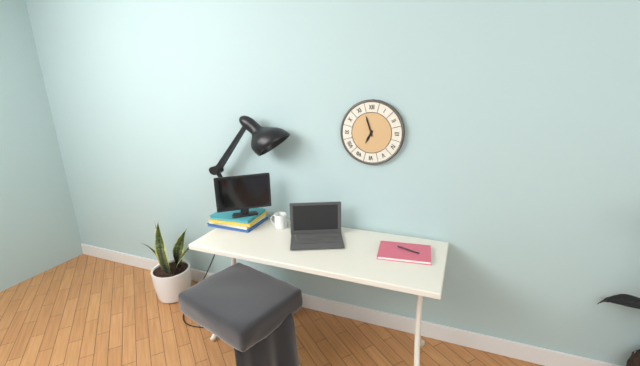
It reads {"hour": 6, "minute": 57}
